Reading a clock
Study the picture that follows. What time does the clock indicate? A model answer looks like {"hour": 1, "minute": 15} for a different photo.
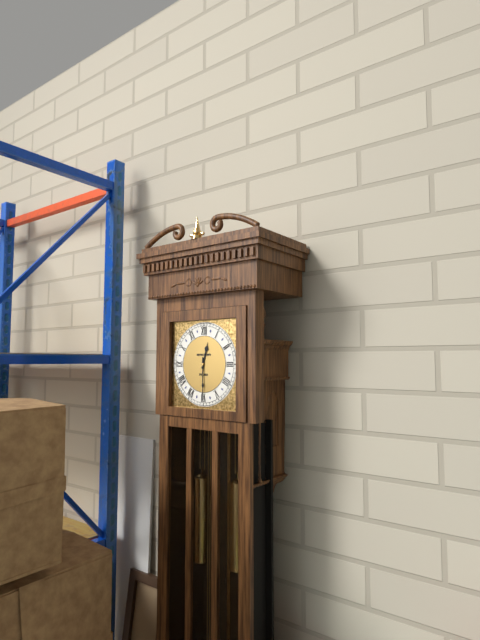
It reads {"hour": 12, "minute": 30}
